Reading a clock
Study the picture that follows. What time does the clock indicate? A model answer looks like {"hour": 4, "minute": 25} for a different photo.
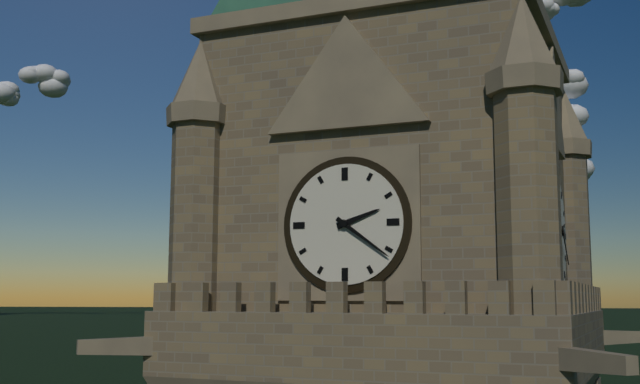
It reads {"hour": 2, "minute": 21}
